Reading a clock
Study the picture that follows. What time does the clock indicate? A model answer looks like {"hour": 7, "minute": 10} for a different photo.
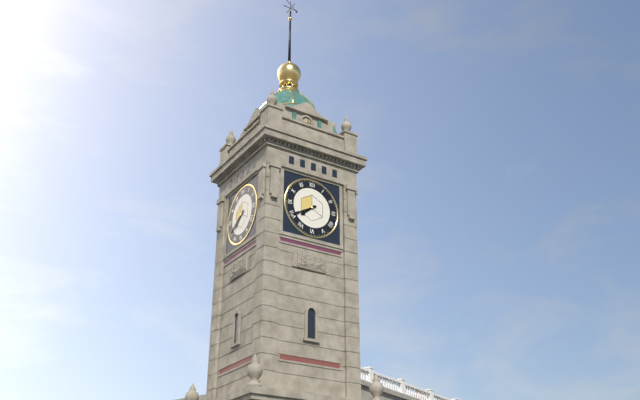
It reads {"hour": 7, "minute": 40}
